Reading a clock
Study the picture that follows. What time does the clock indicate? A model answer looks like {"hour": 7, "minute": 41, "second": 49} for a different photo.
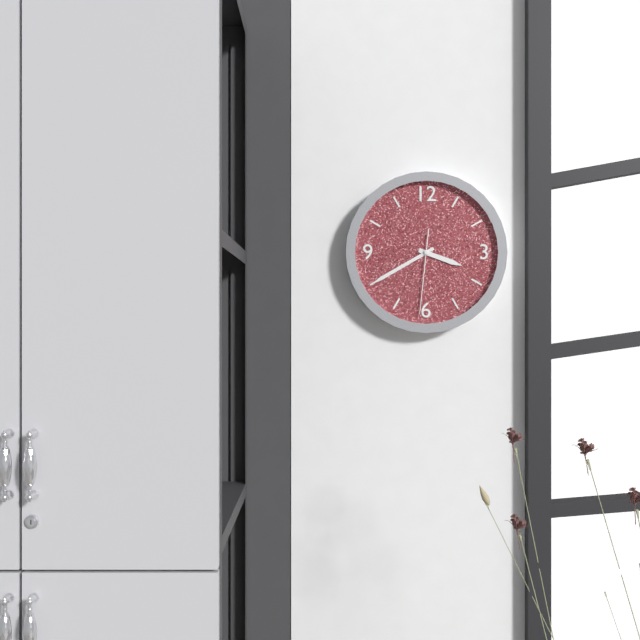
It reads {"hour": 3, "minute": 40, "second": 31}
